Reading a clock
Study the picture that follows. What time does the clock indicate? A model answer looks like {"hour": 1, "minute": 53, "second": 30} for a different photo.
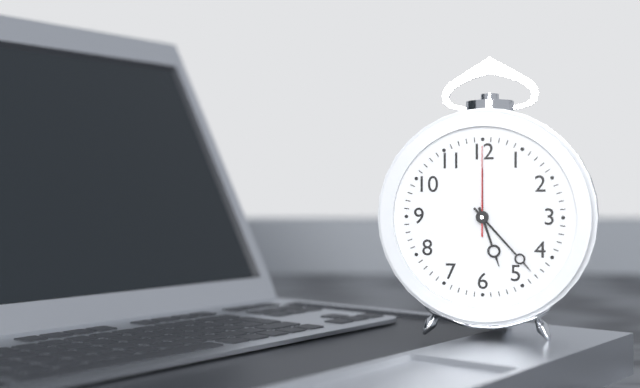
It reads {"hour": 5, "minute": 23, "second": 0}
